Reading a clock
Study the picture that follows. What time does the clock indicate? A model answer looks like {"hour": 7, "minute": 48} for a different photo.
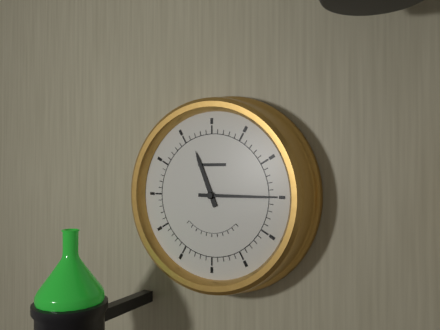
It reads {"hour": 11, "minute": 15}
